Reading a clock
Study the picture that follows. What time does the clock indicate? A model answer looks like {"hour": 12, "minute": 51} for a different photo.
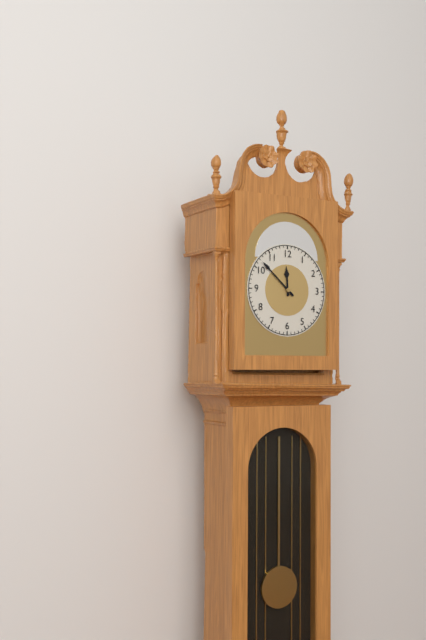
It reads {"hour": 11, "minute": 52}
